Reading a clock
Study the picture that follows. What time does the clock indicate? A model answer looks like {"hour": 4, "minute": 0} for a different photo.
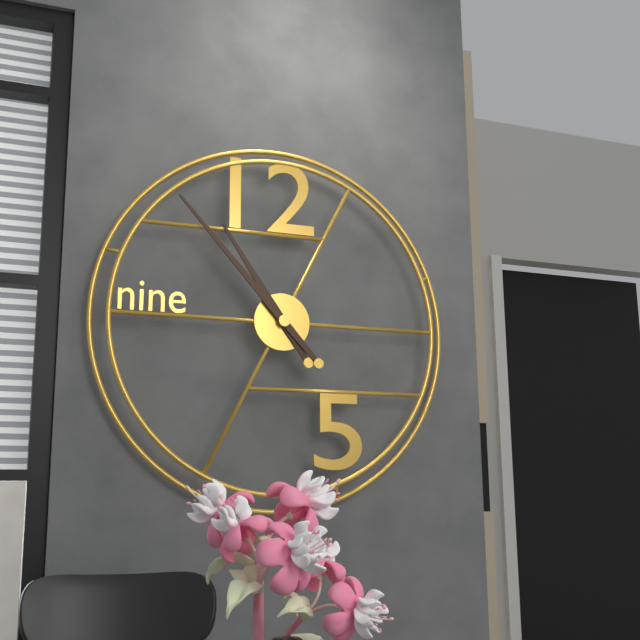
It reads {"hour": 10, "minute": 53}
